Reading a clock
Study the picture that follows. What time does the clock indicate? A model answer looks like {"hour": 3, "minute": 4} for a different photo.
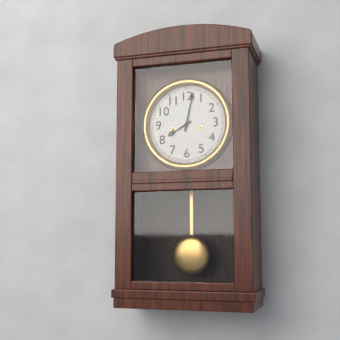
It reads {"hour": 8, "minute": 2}
